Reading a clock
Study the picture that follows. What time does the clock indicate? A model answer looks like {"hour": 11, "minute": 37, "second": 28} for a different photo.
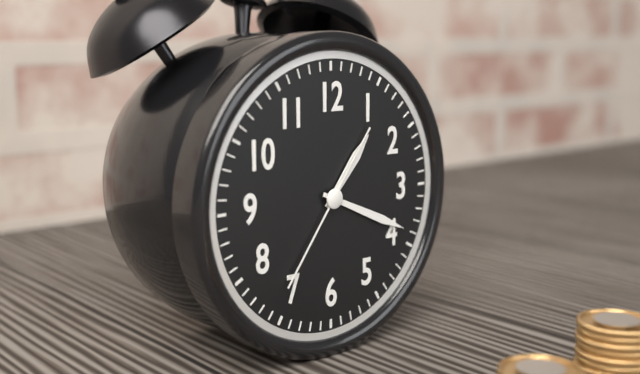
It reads {"hour": 1, "minute": 19, "second": 36}
